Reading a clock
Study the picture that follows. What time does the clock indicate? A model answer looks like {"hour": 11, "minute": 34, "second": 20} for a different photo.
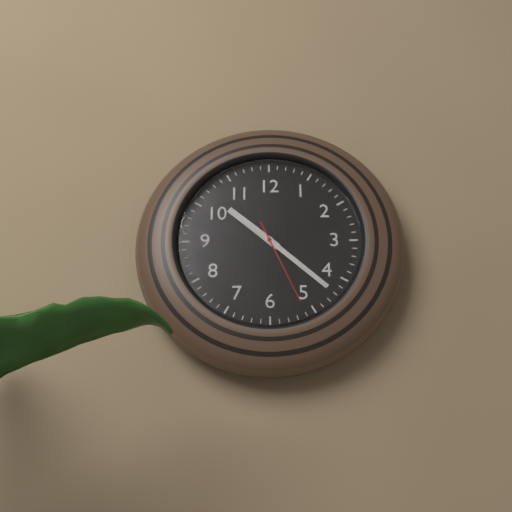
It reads {"hour": 10, "minute": 22, "second": 26}
